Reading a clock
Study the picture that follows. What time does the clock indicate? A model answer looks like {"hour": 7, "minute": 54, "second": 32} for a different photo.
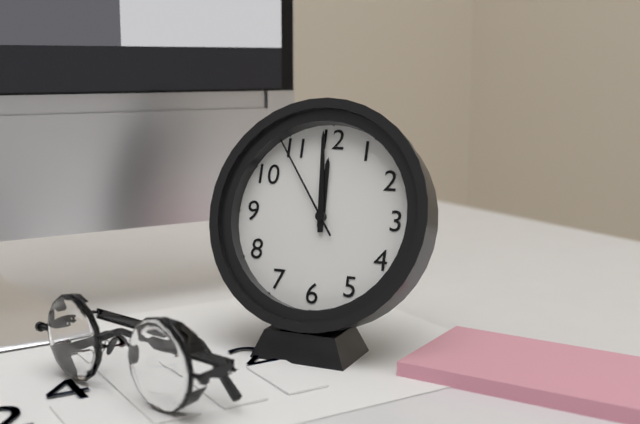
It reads {"hour": 11, "minute": 59, "second": 54}
